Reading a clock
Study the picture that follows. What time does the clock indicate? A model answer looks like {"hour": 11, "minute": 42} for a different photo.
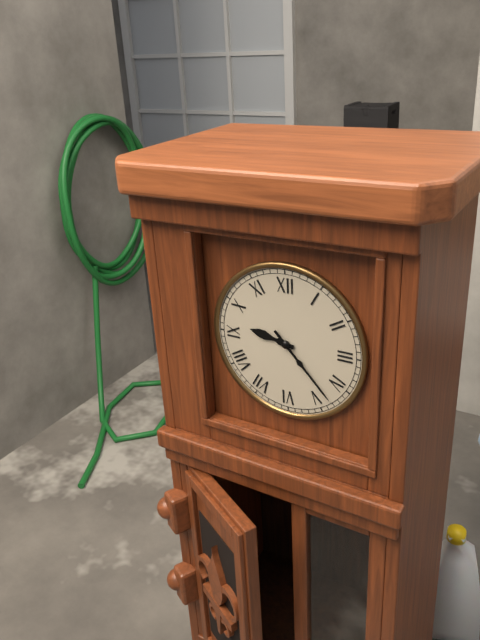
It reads {"hour": 9, "minute": 23}
